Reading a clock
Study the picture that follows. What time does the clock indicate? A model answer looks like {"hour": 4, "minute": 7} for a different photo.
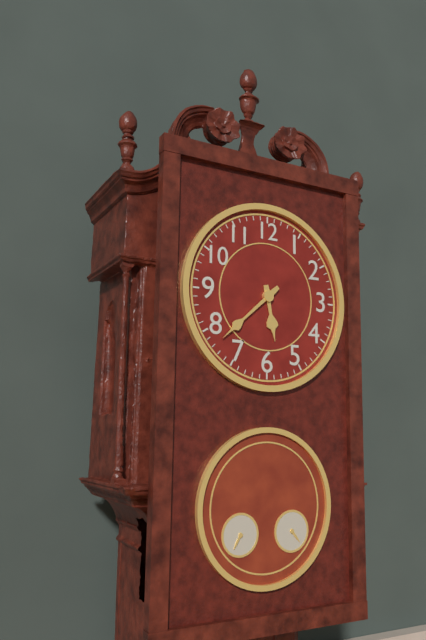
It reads {"hour": 5, "minute": 38}
